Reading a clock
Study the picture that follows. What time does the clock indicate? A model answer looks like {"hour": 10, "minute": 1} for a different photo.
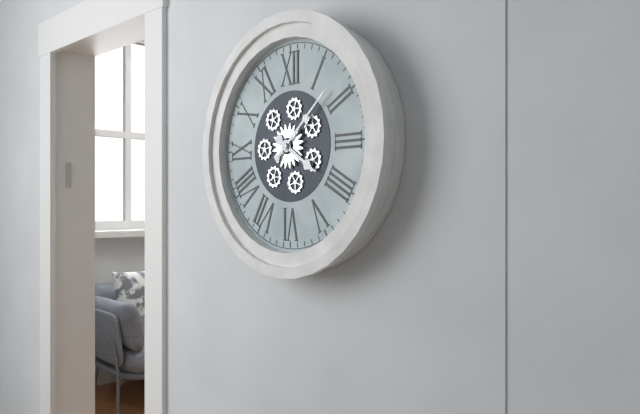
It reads {"hour": 4, "minute": 8}
